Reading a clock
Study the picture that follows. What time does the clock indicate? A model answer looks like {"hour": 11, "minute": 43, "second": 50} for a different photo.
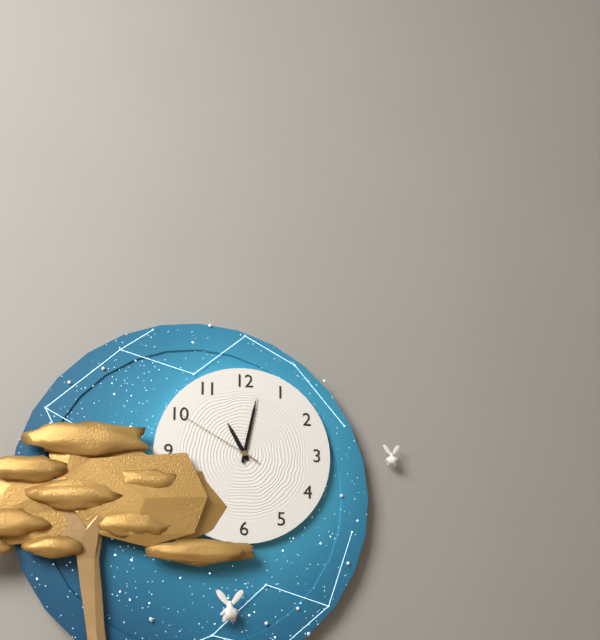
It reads {"hour": 11, "minute": 2, "second": 50}
